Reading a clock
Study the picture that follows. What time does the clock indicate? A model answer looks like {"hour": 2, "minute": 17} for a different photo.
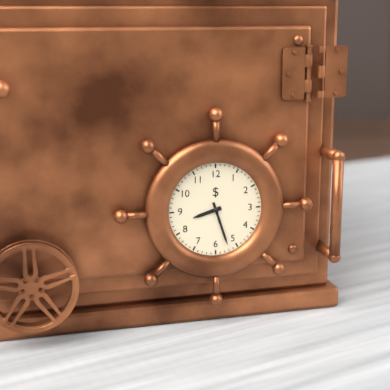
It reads {"hour": 8, "minute": 27}
